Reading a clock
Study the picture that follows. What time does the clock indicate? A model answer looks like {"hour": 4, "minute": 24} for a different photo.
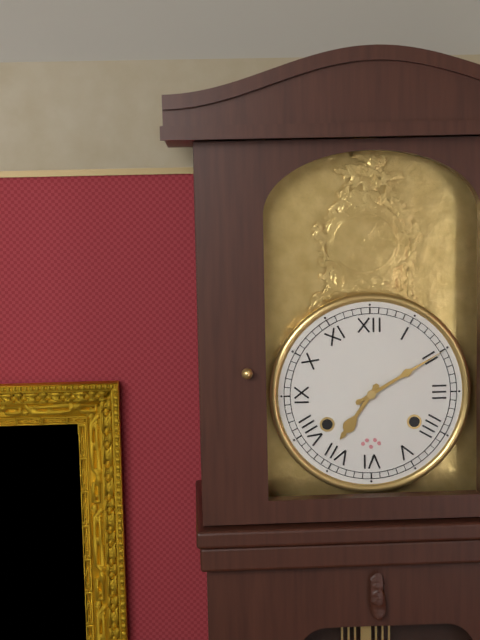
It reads {"hour": 7, "minute": 10}
